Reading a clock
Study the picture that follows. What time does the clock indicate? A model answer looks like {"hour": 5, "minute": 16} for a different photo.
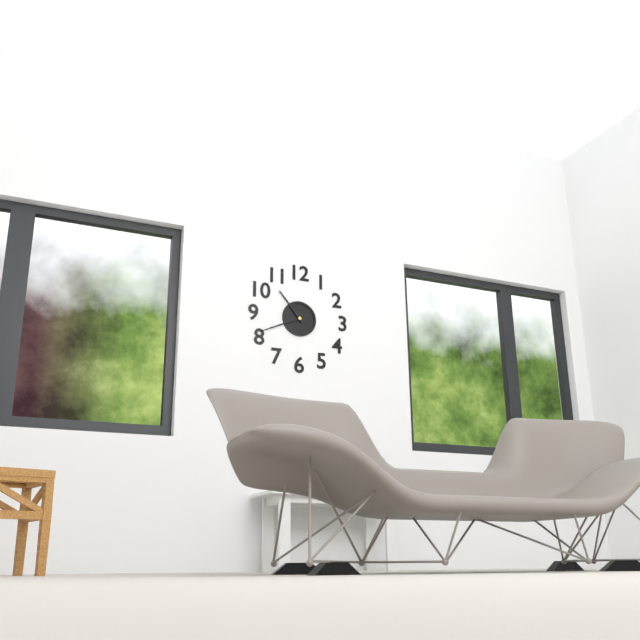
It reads {"hour": 10, "minute": 41}
